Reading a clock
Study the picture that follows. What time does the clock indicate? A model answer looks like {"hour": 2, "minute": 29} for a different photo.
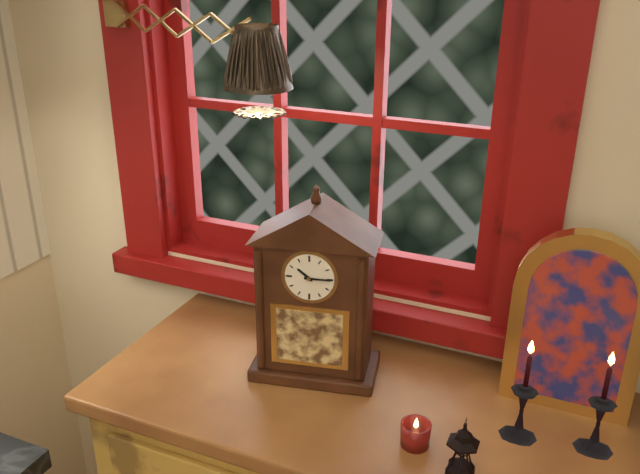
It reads {"hour": 10, "minute": 15}
